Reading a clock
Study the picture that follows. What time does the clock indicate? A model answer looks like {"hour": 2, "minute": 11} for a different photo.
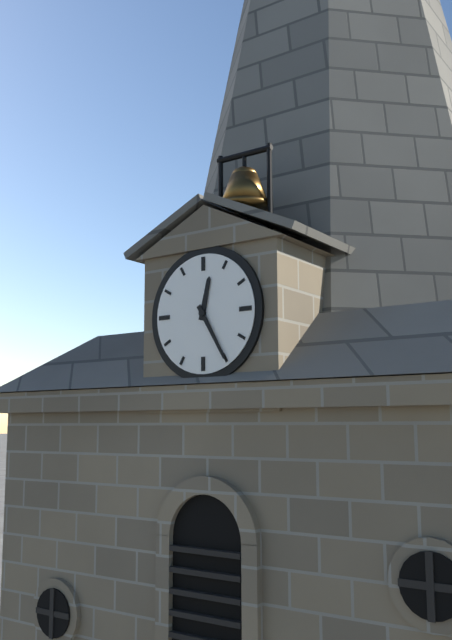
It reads {"hour": 12, "minute": 25}
